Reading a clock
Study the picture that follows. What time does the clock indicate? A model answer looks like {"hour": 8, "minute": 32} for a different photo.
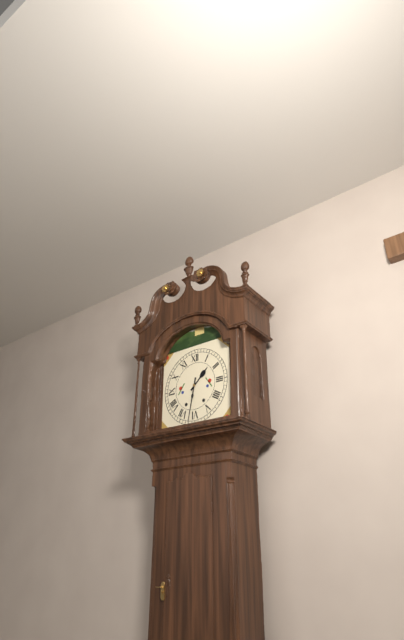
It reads {"hour": 1, "minute": 32}
